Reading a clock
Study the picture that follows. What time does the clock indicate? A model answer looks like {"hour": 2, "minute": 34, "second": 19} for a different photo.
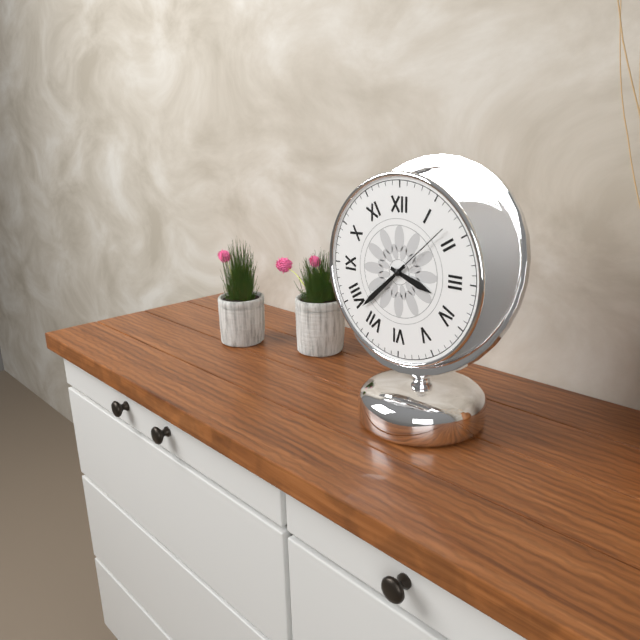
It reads {"hour": 3, "minute": 38, "second": 8}
